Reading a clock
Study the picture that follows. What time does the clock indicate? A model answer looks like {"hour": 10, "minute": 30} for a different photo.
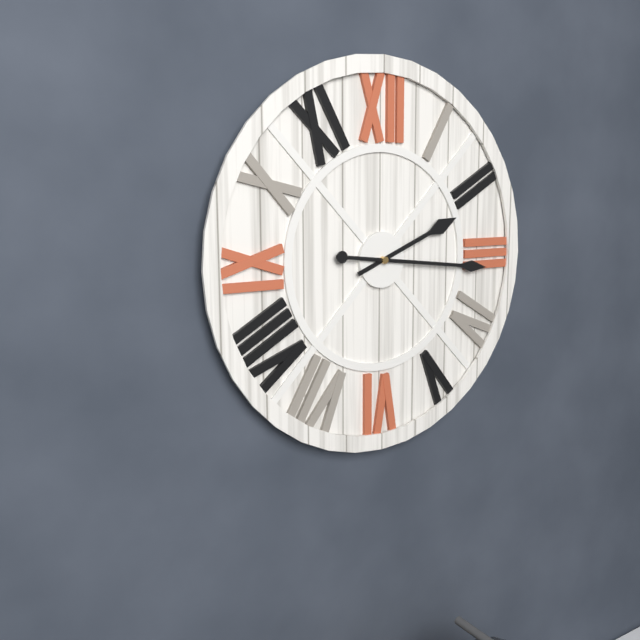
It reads {"hour": 2, "minute": 16}
